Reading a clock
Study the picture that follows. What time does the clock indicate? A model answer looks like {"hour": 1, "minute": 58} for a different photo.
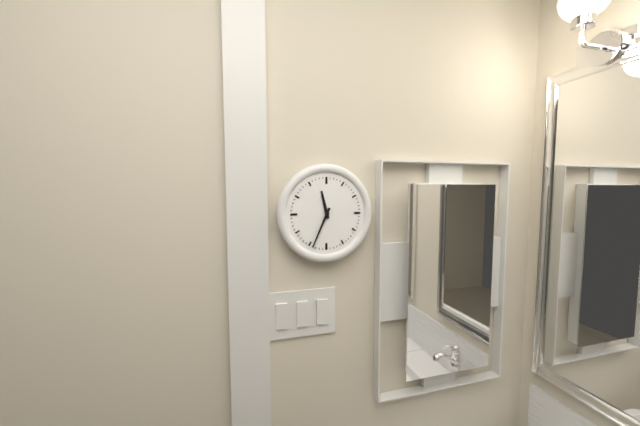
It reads {"hour": 11, "minute": 34}
